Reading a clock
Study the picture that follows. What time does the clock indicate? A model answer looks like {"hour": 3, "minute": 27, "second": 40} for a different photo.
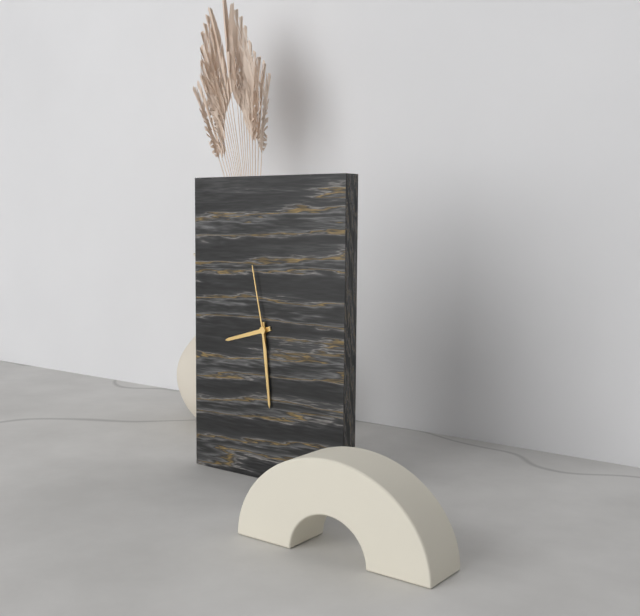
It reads {"hour": 8, "minute": 29, "second": 58}
